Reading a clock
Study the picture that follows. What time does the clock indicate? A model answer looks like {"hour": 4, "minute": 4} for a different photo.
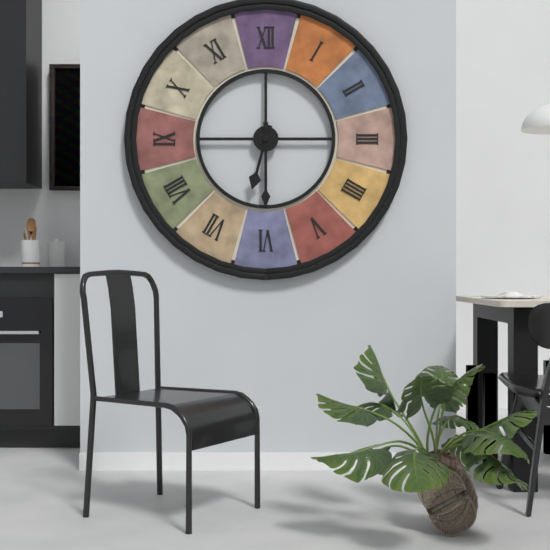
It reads {"hour": 6, "minute": 30}
